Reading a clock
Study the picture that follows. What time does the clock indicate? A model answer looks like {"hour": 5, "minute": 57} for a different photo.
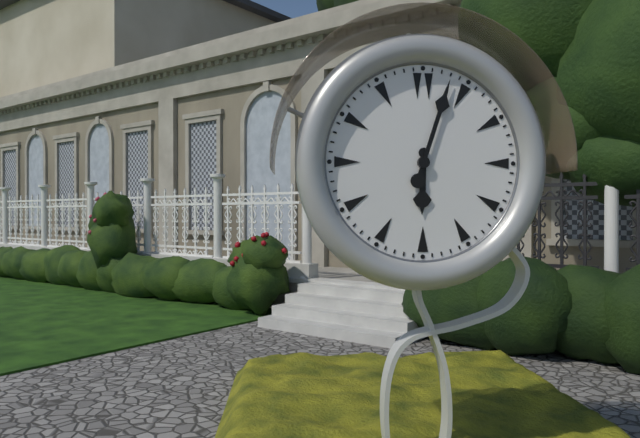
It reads {"hour": 6, "minute": 3}
